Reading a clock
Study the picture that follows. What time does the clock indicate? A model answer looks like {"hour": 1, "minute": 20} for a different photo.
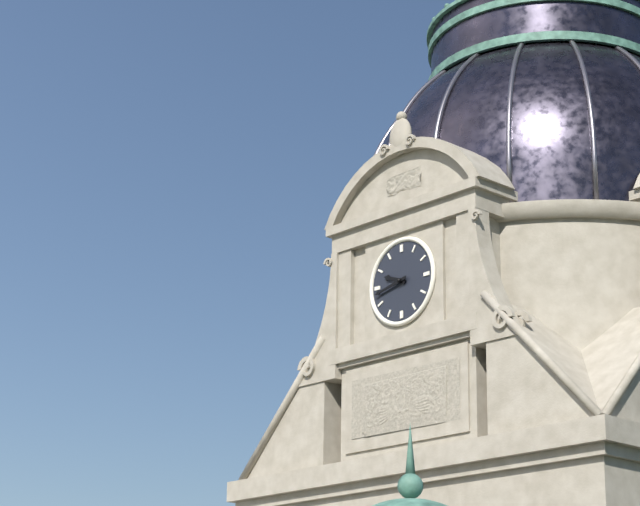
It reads {"hour": 9, "minute": 43}
